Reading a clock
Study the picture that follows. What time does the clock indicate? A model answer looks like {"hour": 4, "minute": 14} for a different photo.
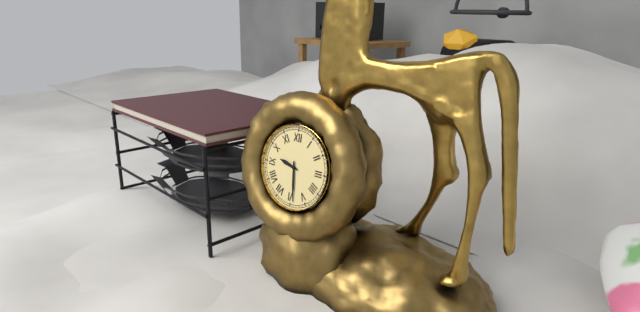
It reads {"hour": 9, "minute": 29}
